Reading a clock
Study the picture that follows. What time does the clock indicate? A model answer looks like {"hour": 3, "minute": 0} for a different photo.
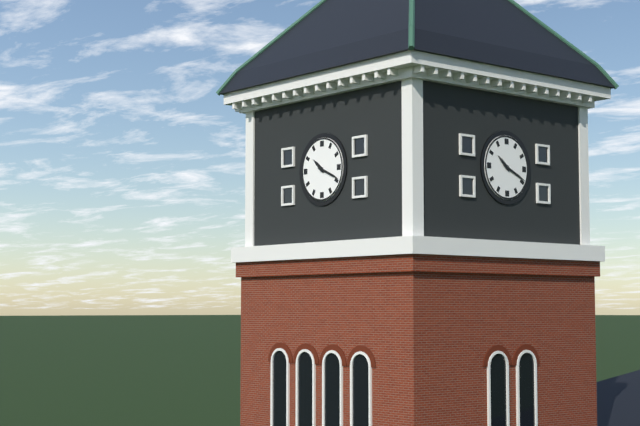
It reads {"hour": 10, "minute": 19}
